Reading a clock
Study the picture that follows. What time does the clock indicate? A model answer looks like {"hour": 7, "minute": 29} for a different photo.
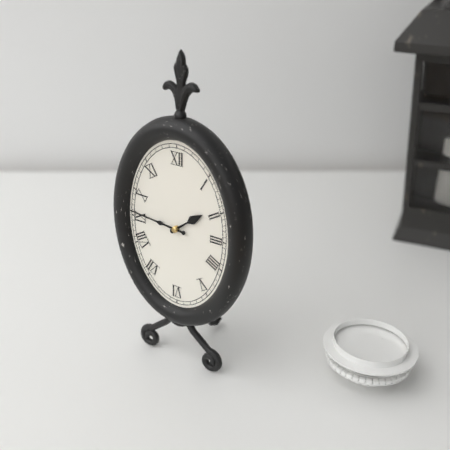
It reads {"hour": 1, "minute": 46}
